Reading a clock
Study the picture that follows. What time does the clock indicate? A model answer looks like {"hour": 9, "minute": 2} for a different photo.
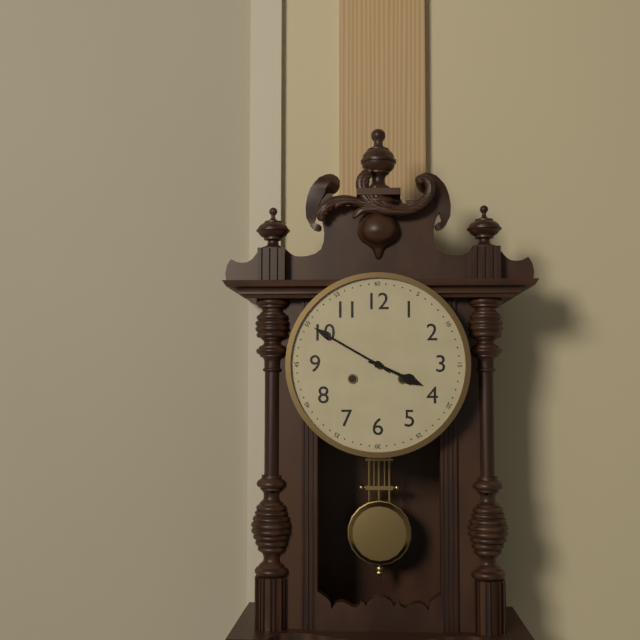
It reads {"hour": 3, "minute": 50}
